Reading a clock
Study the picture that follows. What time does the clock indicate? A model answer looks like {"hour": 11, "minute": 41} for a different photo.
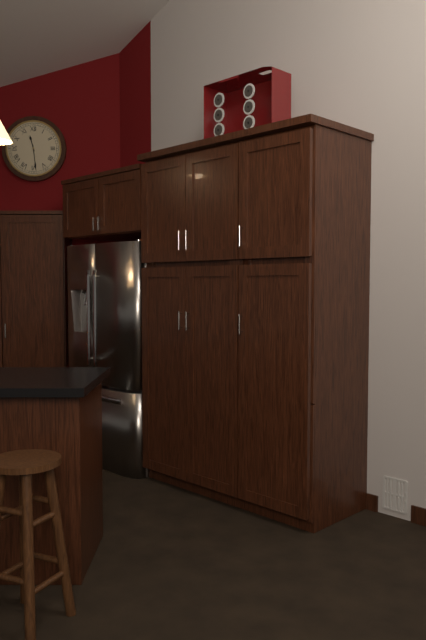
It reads {"hour": 11, "minute": 29}
